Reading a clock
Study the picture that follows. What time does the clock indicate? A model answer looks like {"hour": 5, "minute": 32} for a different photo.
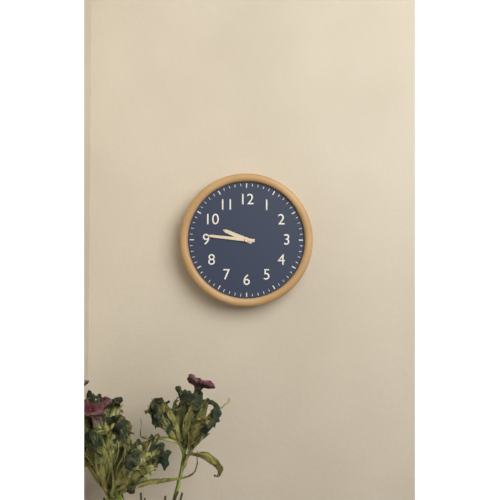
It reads {"hour": 9, "minute": 46}
